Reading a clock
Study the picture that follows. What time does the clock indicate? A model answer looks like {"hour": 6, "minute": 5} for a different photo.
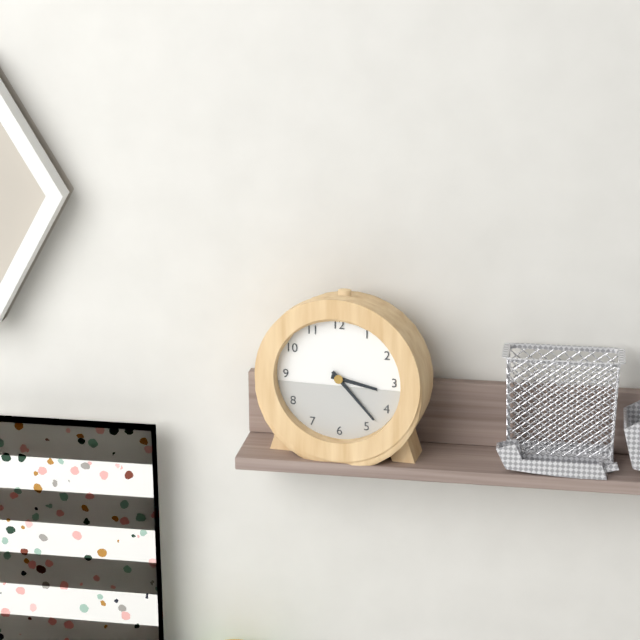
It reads {"hour": 3, "minute": 23}
